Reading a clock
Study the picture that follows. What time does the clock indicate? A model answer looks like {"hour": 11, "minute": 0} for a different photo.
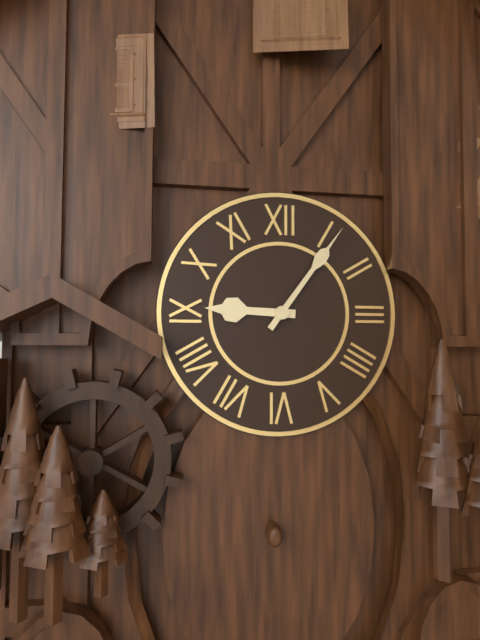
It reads {"hour": 9, "minute": 6}
